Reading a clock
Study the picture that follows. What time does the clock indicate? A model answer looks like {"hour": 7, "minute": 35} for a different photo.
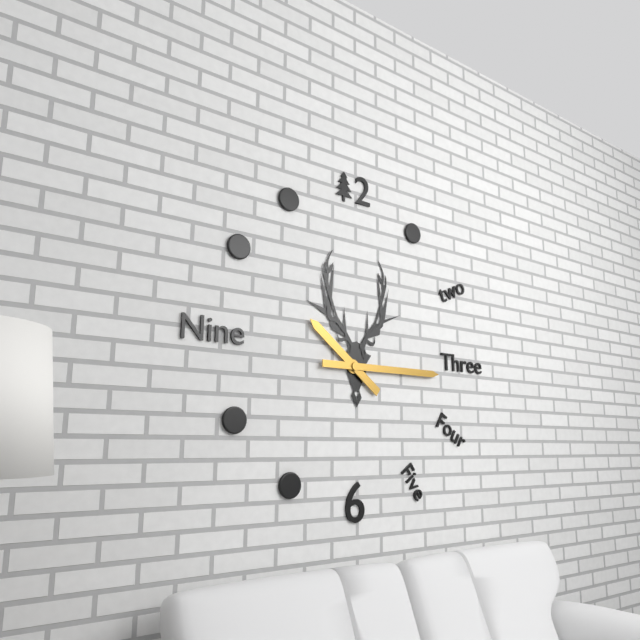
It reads {"hour": 10, "minute": 15}
